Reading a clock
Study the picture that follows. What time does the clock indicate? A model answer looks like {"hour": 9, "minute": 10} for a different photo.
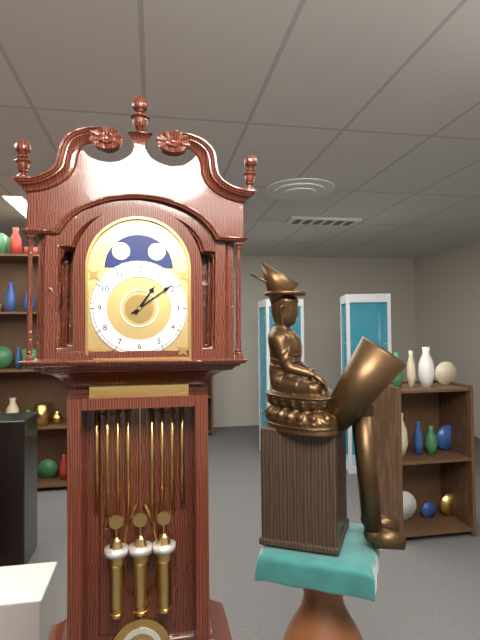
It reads {"hour": 1, "minute": 9}
